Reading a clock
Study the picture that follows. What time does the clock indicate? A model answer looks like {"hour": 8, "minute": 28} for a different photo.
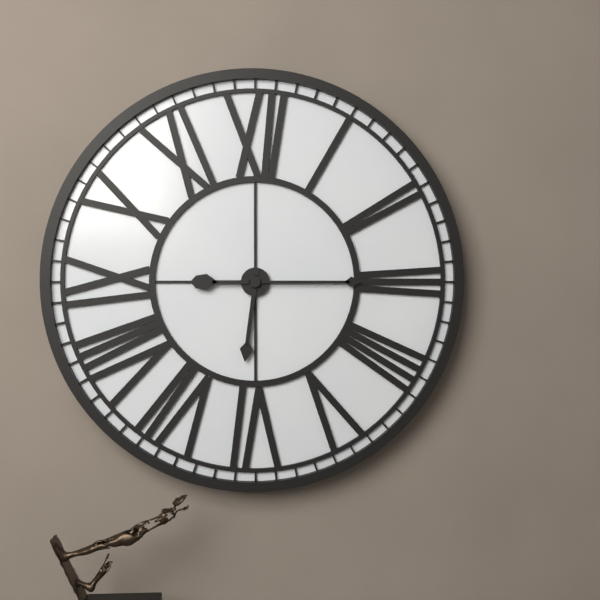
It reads {"hour": 6, "minute": 15}
